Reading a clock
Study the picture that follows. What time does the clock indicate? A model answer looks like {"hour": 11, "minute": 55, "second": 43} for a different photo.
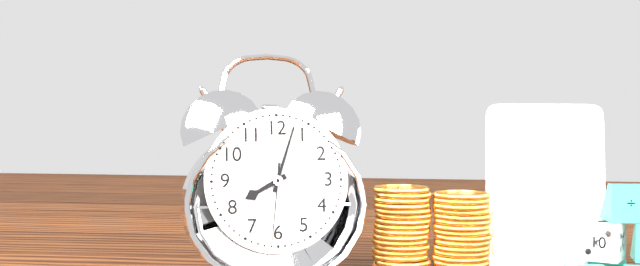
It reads {"hour": 8, "minute": 3, "second": 31}
